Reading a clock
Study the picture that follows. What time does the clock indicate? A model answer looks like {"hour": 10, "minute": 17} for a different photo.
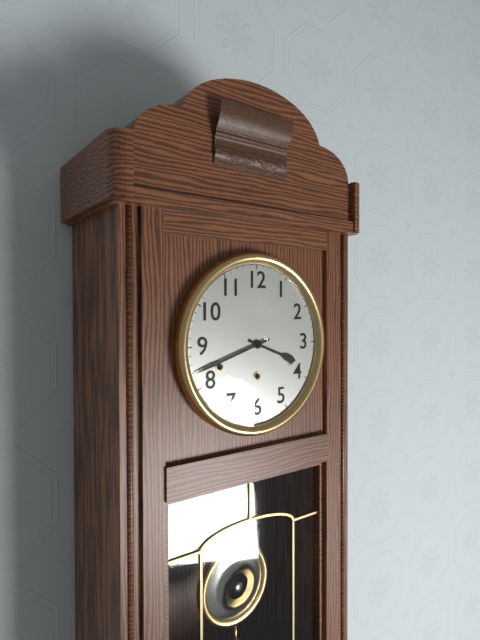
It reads {"hour": 3, "minute": 42}
